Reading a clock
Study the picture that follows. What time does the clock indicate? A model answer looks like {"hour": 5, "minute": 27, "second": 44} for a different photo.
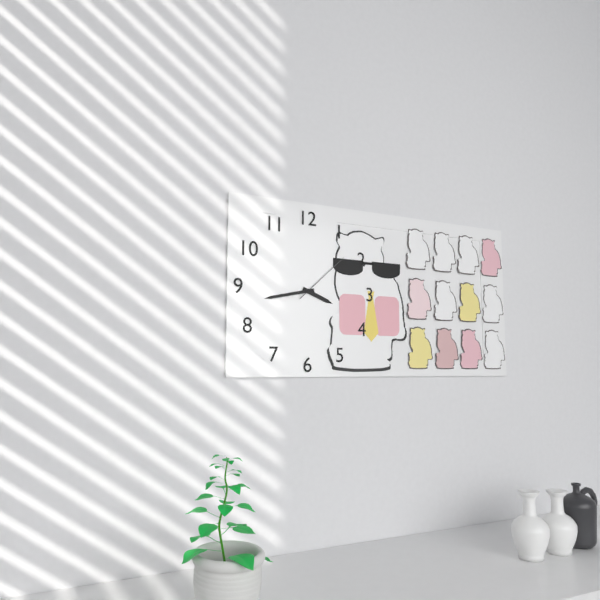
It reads {"hour": 3, "minute": 43, "second": 8}
